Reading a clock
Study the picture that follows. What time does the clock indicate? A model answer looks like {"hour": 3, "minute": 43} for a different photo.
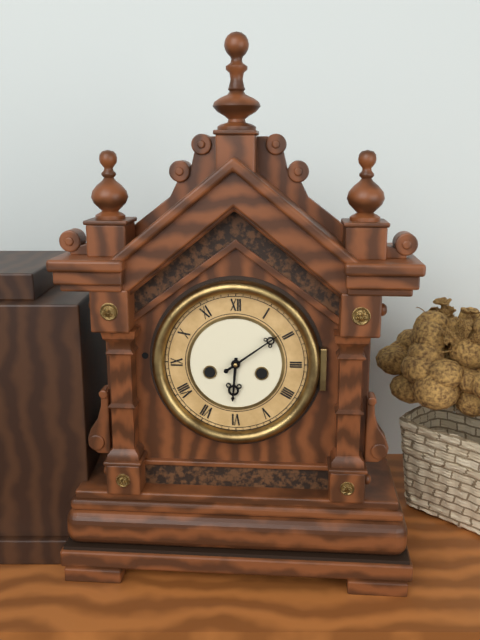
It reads {"hour": 6, "minute": 9}
